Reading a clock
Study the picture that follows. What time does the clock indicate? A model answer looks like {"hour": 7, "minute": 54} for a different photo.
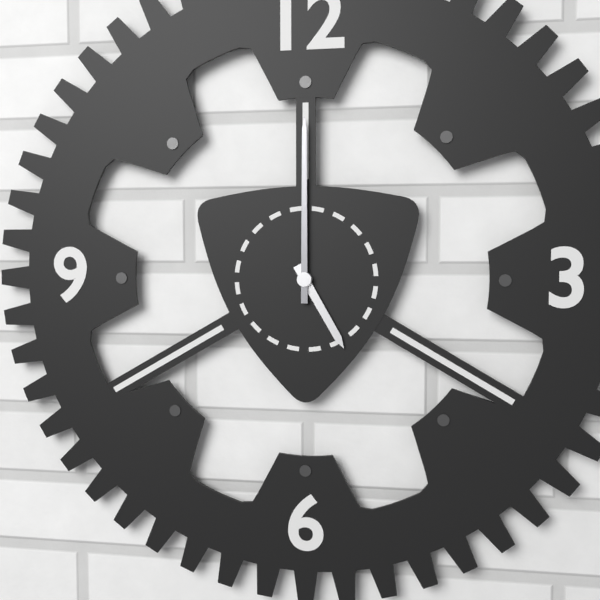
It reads {"hour": 5, "minute": 0}
